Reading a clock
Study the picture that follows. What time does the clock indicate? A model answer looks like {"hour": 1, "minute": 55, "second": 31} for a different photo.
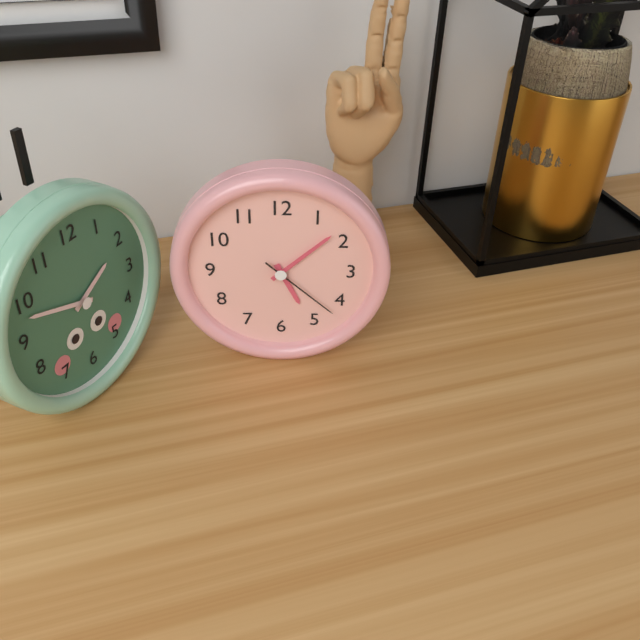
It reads {"hour": 5, "minute": 8, "second": 22}
